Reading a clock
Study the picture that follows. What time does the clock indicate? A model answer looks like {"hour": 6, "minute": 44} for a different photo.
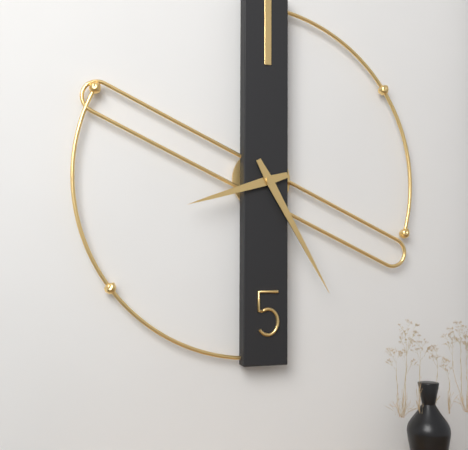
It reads {"hour": 8, "minute": 25}
